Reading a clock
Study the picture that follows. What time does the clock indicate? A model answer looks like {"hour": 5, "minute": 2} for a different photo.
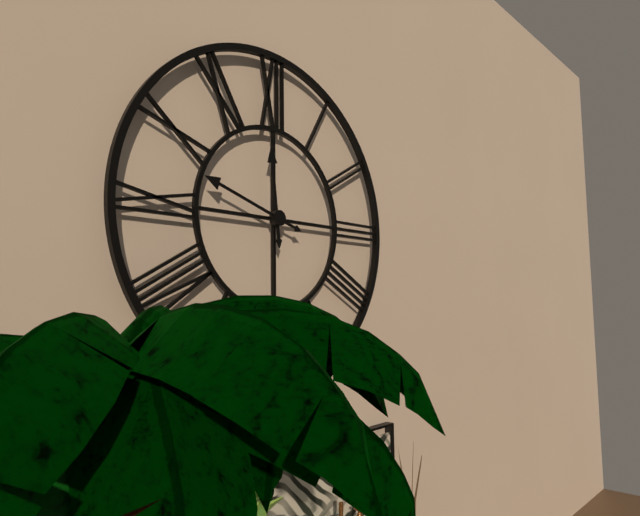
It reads {"hour": 11, "minute": 48}
